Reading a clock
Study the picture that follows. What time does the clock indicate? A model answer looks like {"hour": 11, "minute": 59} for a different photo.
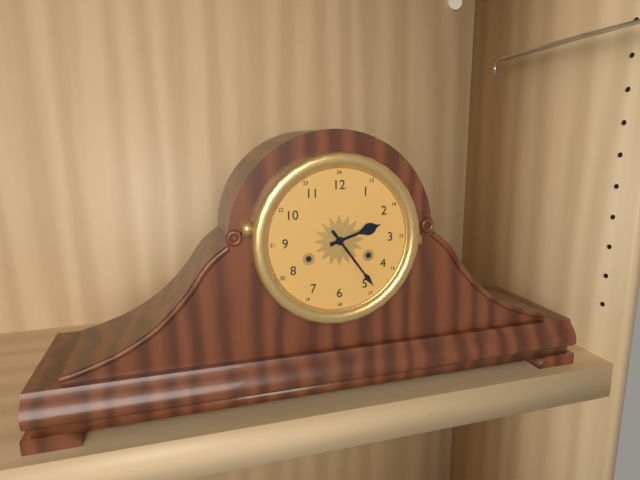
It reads {"hour": 2, "minute": 24}
